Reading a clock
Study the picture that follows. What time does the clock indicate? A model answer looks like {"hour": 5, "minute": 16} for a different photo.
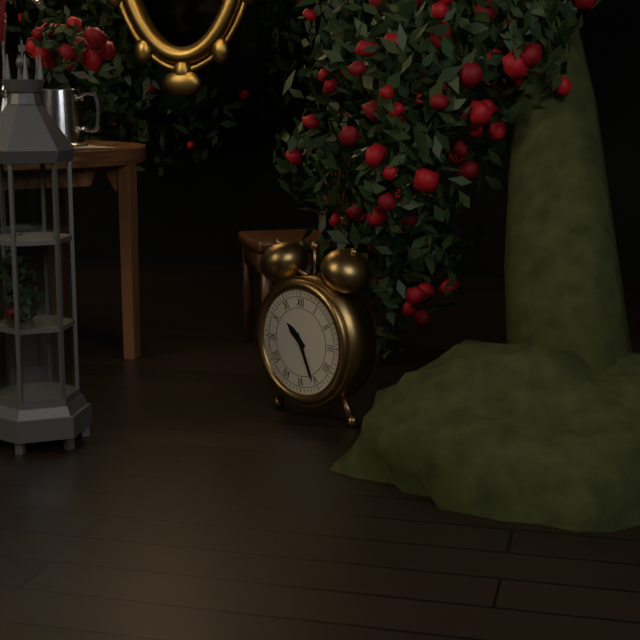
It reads {"hour": 10, "minute": 26}
